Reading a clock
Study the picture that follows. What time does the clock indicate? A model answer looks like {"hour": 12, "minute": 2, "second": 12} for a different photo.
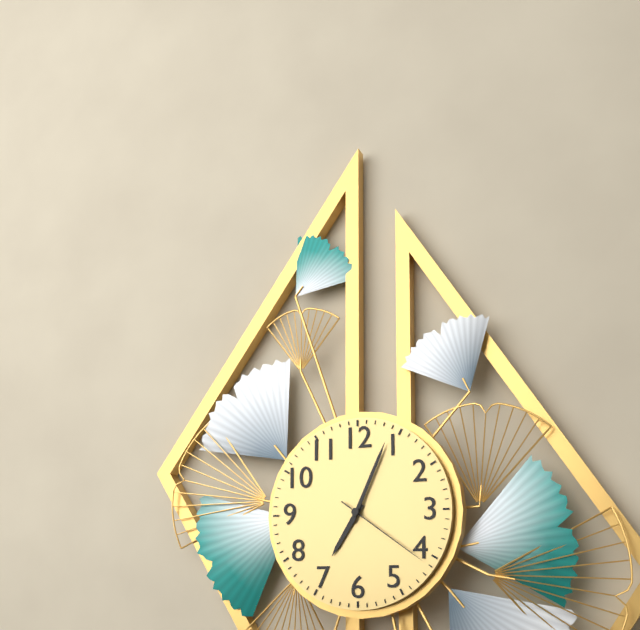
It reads {"hour": 7, "minute": 4, "second": 21}
